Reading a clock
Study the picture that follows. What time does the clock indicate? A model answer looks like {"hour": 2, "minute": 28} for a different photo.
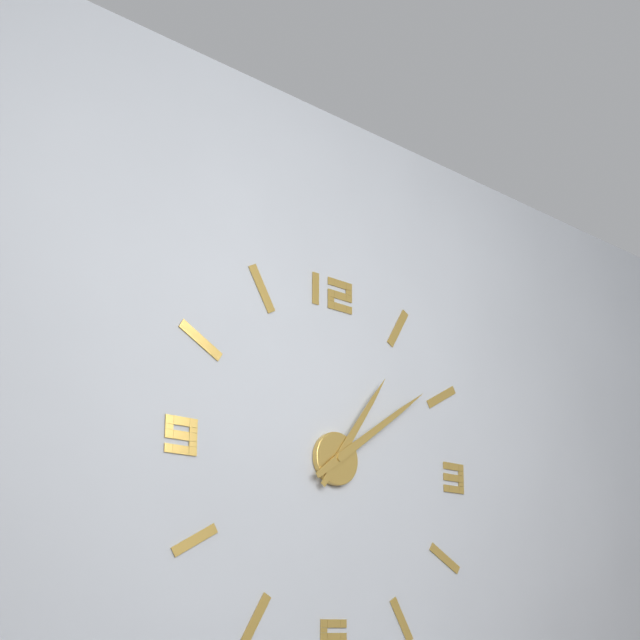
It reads {"hour": 1, "minute": 9}
